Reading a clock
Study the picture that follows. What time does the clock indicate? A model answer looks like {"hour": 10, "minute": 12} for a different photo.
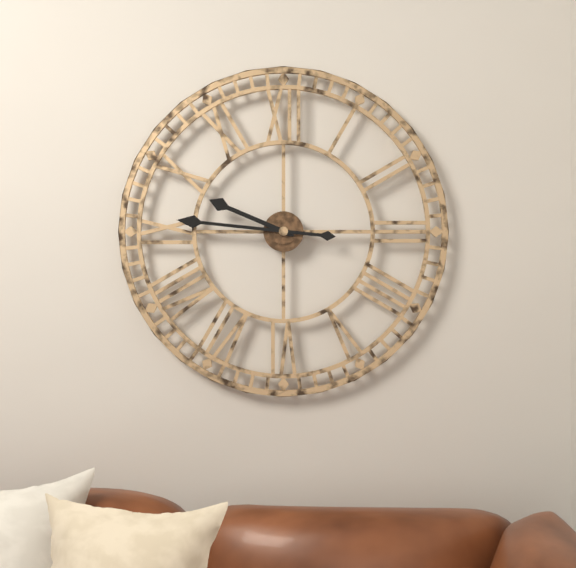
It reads {"hour": 9, "minute": 46}
